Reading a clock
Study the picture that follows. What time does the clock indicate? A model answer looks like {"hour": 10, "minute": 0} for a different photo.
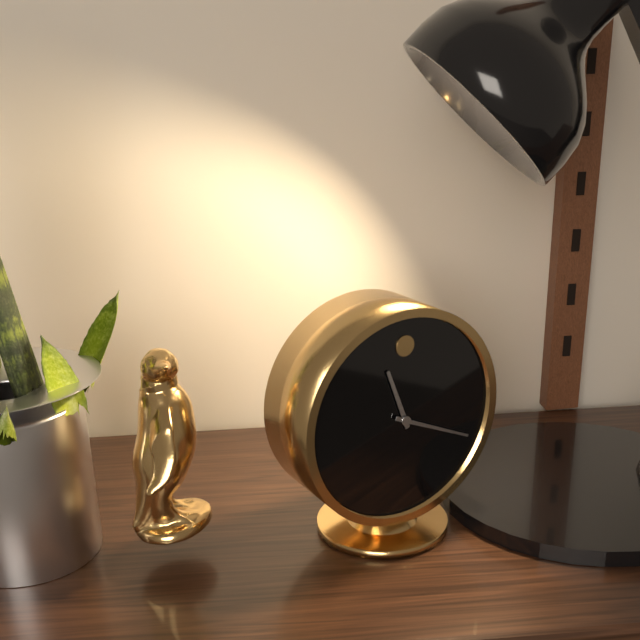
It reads {"hour": 11, "minute": 19}
